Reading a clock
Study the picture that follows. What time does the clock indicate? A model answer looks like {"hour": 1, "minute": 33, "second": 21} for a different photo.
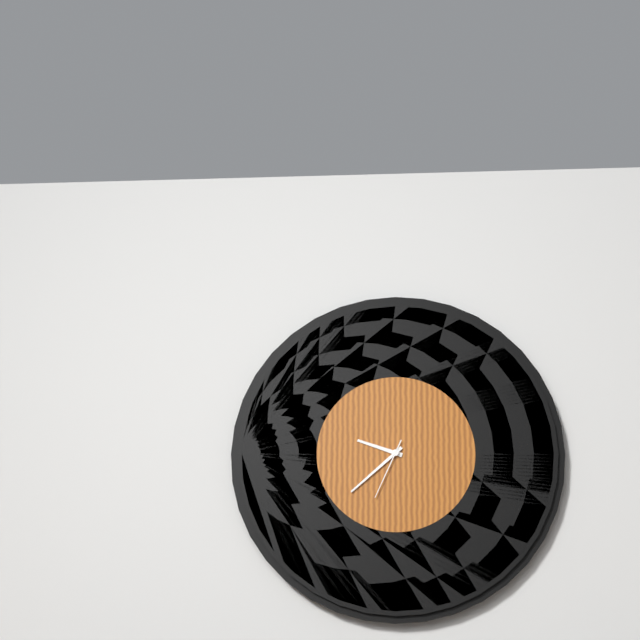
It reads {"hour": 9, "minute": 38, "second": 34}
